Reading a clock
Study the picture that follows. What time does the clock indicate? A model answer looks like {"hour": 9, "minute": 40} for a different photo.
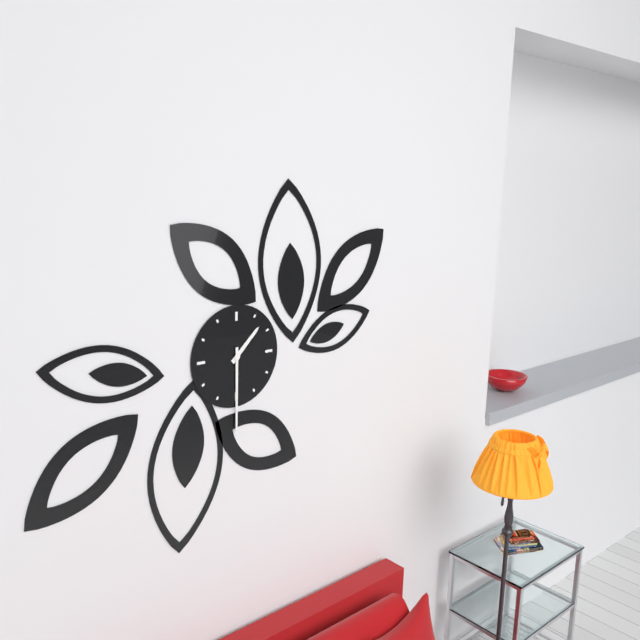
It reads {"hour": 1, "minute": 30}
